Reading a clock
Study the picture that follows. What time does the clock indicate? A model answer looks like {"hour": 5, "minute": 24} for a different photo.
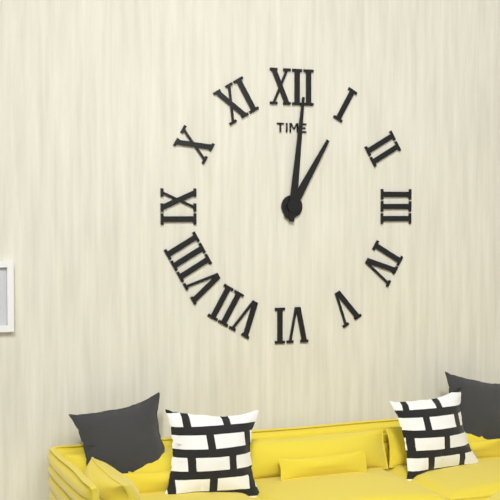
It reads {"hour": 1, "minute": 1}
